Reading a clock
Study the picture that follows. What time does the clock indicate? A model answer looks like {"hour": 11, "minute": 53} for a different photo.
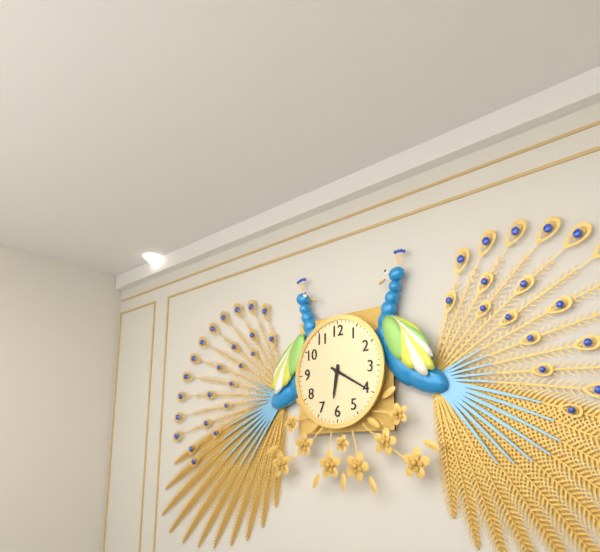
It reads {"hour": 6, "minute": 20}
